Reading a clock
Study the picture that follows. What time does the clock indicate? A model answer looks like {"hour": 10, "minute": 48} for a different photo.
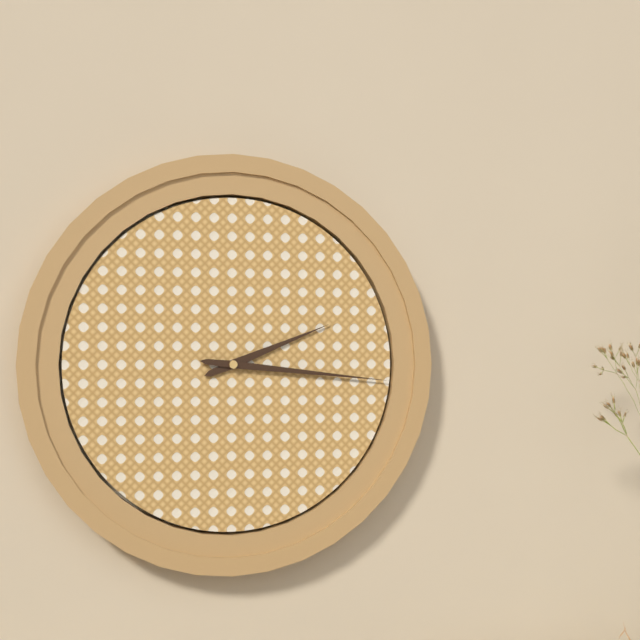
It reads {"hour": 2, "minute": 16}
